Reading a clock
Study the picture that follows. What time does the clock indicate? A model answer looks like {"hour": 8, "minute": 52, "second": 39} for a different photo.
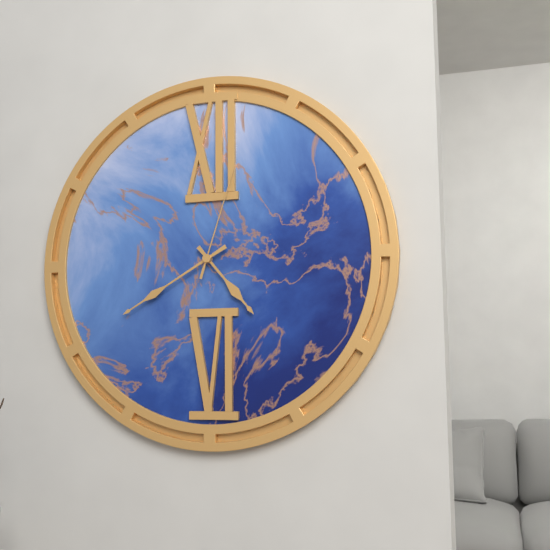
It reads {"hour": 4, "minute": 40, "second": 3}
